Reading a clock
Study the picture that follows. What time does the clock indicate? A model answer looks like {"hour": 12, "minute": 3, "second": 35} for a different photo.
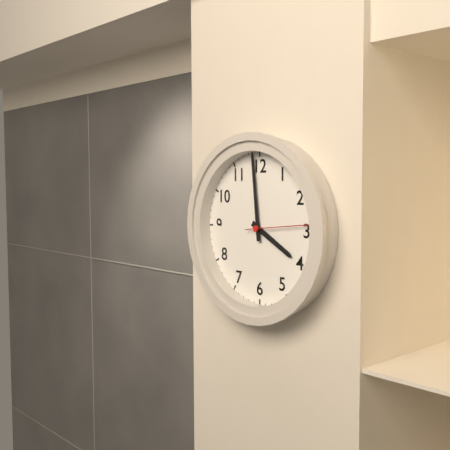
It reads {"hour": 3, "minute": 59, "second": 14}
